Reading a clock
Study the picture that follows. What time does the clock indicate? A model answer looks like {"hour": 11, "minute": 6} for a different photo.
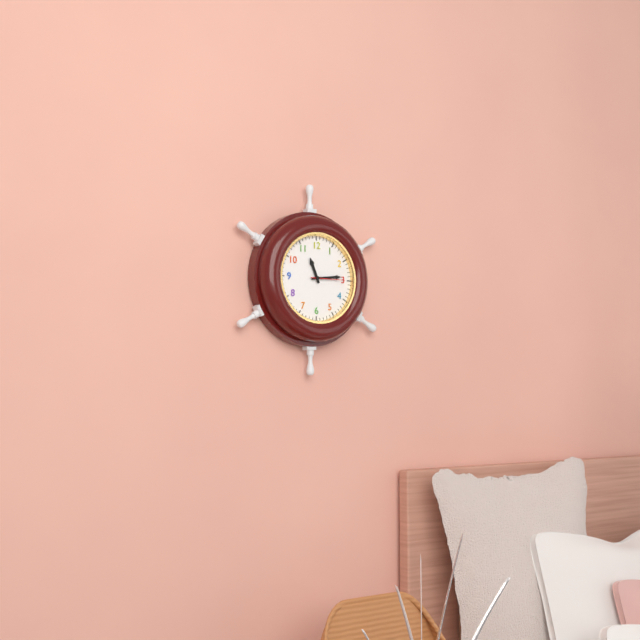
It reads {"hour": 11, "minute": 14}
